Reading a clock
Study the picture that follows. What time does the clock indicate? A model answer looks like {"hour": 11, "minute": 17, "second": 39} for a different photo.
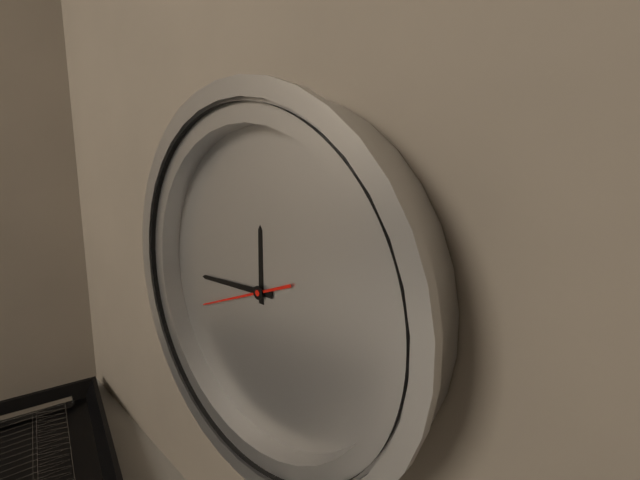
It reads {"hour": 11, "minute": 43, "second": 40}
